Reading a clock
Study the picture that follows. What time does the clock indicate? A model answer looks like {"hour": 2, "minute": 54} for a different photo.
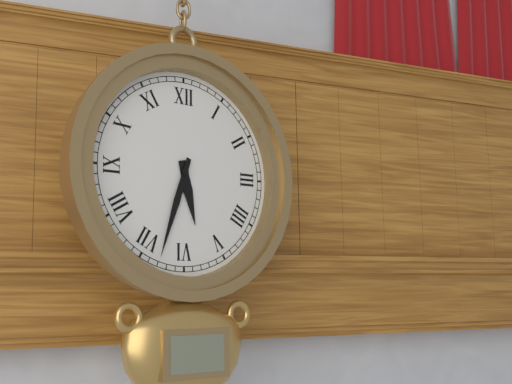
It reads {"hour": 5, "minute": 33}
